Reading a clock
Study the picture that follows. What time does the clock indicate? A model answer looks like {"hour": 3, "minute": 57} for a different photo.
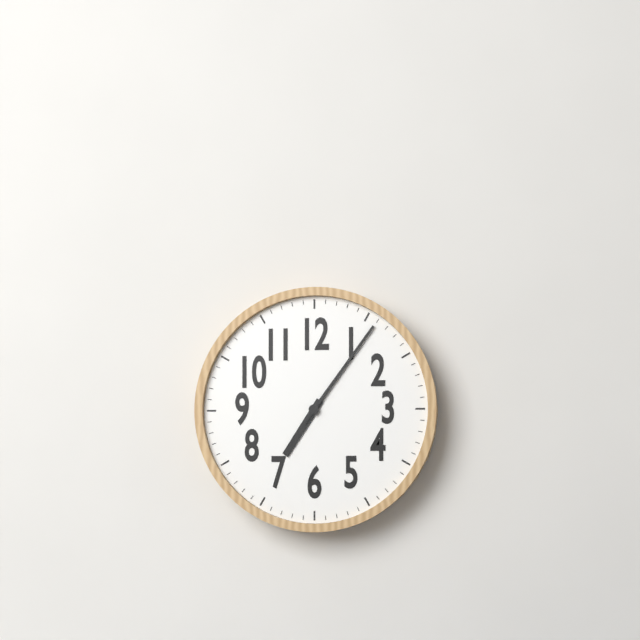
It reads {"hour": 7, "minute": 6}
